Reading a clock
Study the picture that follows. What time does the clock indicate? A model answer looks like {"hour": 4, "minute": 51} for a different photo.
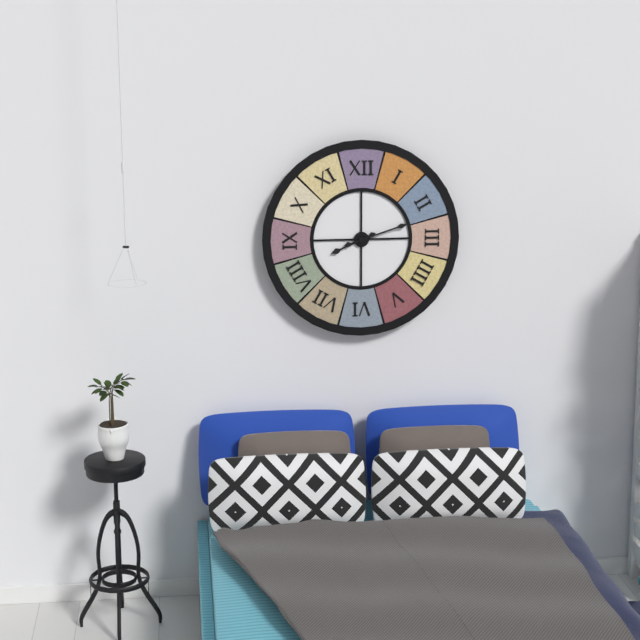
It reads {"hour": 8, "minute": 12}
